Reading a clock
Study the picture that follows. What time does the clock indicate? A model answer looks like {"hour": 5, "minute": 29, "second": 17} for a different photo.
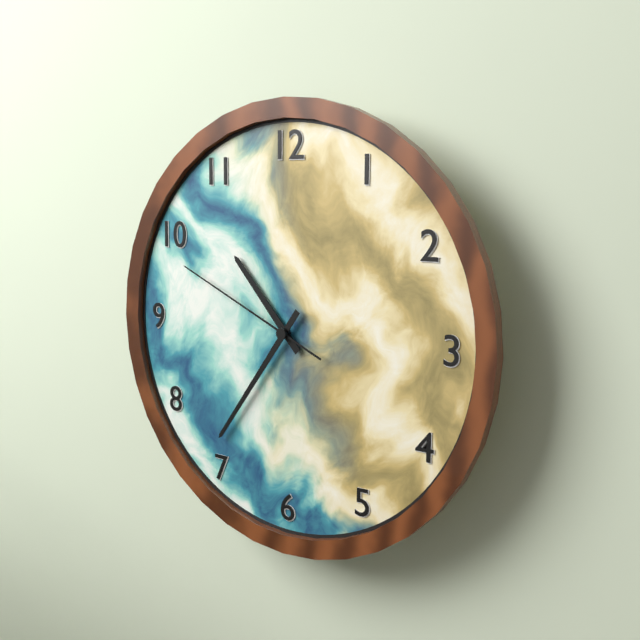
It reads {"hour": 10, "minute": 36, "second": 49}
